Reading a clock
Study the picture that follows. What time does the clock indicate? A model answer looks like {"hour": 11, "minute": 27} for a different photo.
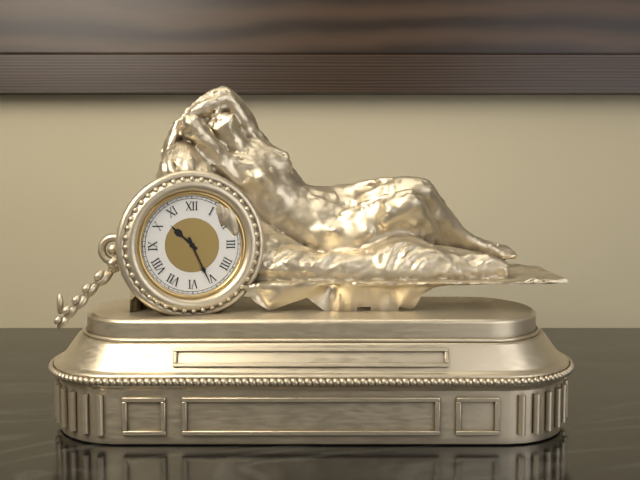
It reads {"hour": 10, "minute": 26}
